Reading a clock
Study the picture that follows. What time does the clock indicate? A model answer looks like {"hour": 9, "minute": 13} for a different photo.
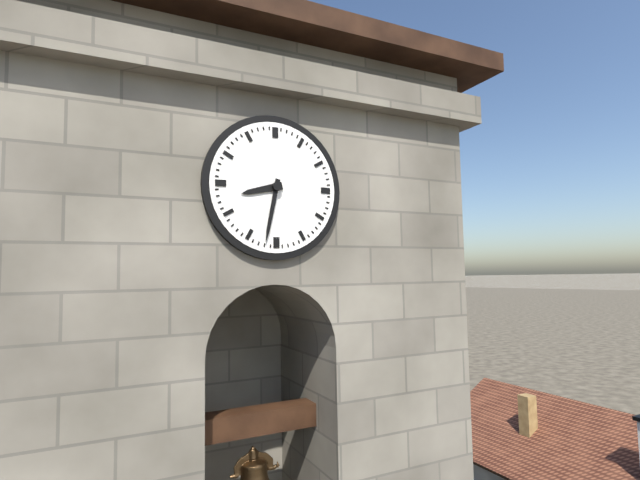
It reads {"hour": 8, "minute": 32}
